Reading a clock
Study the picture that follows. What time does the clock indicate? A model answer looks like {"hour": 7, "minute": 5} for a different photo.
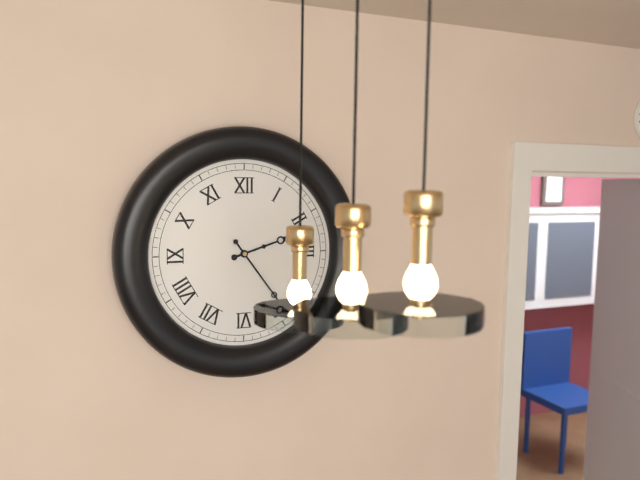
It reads {"hour": 2, "minute": 24}
